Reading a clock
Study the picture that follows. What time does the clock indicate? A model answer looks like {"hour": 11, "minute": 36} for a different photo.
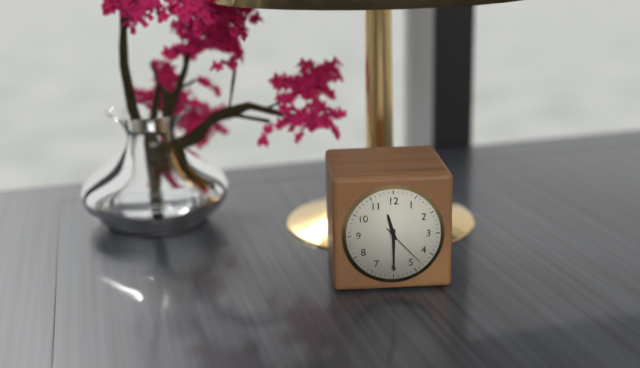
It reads {"hour": 11, "minute": 30}
